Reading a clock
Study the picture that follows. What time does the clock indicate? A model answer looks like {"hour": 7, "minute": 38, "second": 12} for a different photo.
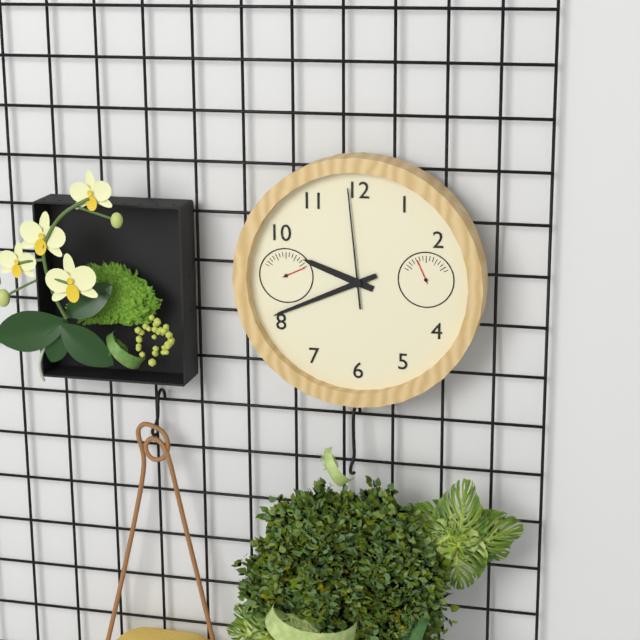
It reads {"hour": 9, "minute": 41, "second": 59}
